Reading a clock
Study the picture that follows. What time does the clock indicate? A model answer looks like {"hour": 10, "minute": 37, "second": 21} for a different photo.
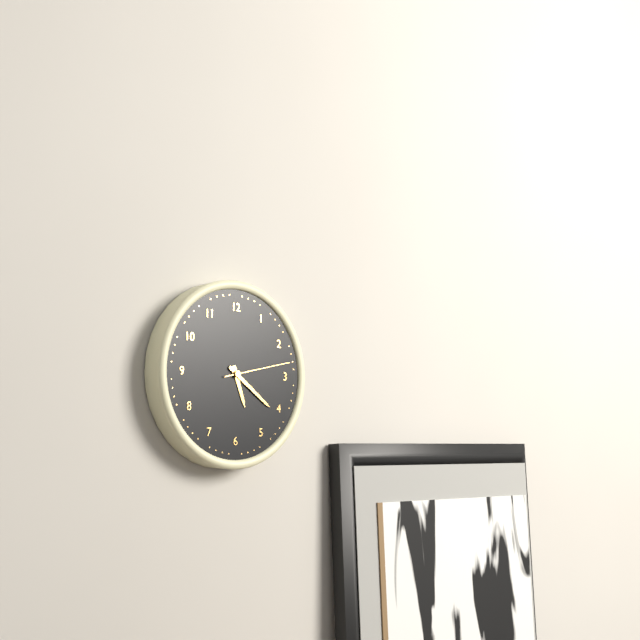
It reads {"hour": 5, "minute": 21, "second": 13}
